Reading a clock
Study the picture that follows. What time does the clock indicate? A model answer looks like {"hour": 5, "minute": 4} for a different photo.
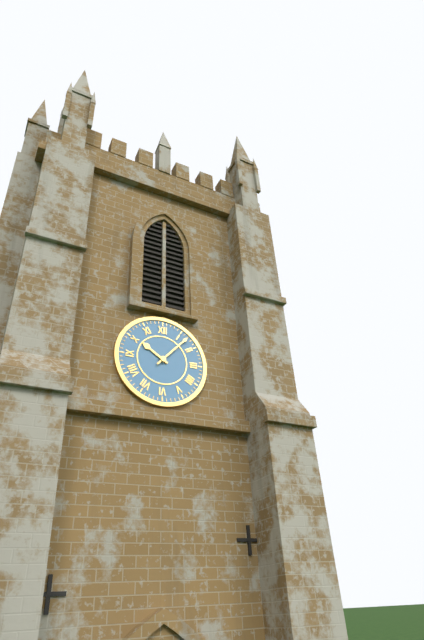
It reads {"hour": 10, "minute": 7}
